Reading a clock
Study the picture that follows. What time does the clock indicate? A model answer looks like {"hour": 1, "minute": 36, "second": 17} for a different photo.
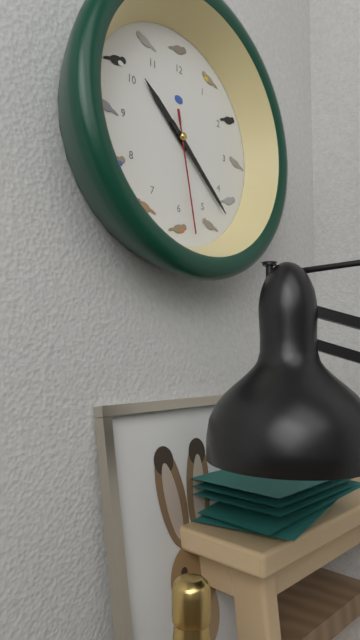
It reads {"hour": 10, "minute": 22, "second": 28}
